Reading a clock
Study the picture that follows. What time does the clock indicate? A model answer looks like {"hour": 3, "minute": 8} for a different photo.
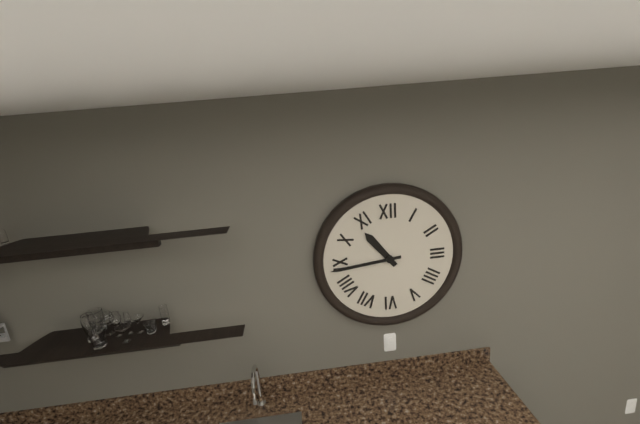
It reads {"hour": 10, "minute": 44}
